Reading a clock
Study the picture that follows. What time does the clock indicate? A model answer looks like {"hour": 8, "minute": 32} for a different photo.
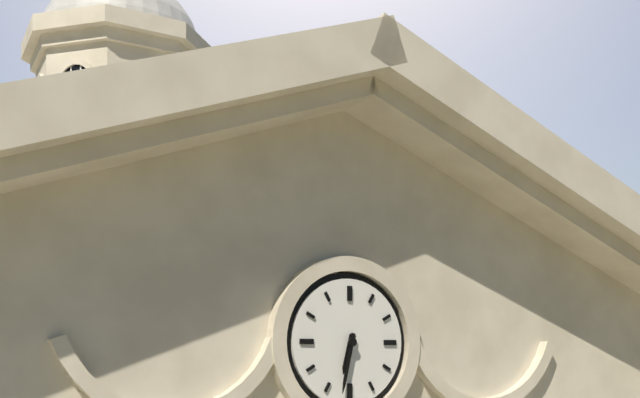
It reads {"hour": 6, "minute": 32}
